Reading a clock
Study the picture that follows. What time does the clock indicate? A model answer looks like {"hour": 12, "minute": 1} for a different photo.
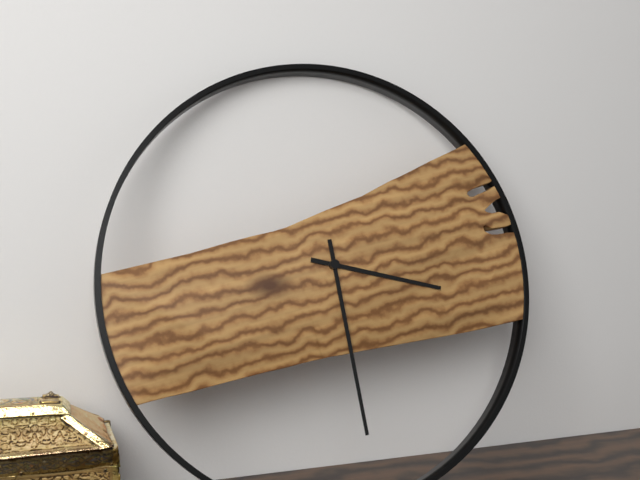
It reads {"hour": 3, "minute": 29}
